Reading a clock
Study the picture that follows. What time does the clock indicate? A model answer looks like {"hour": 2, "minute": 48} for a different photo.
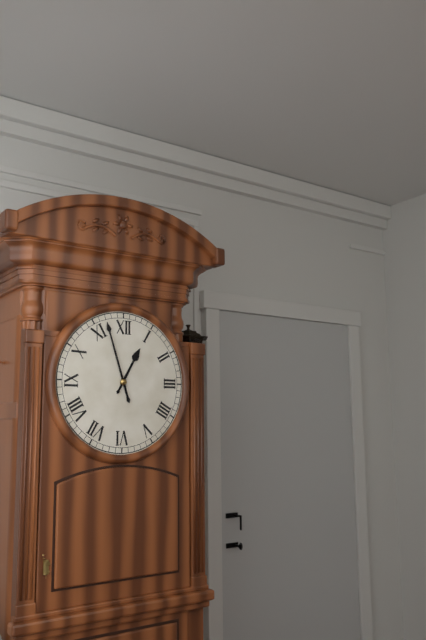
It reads {"hour": 12, "minute": 57}
